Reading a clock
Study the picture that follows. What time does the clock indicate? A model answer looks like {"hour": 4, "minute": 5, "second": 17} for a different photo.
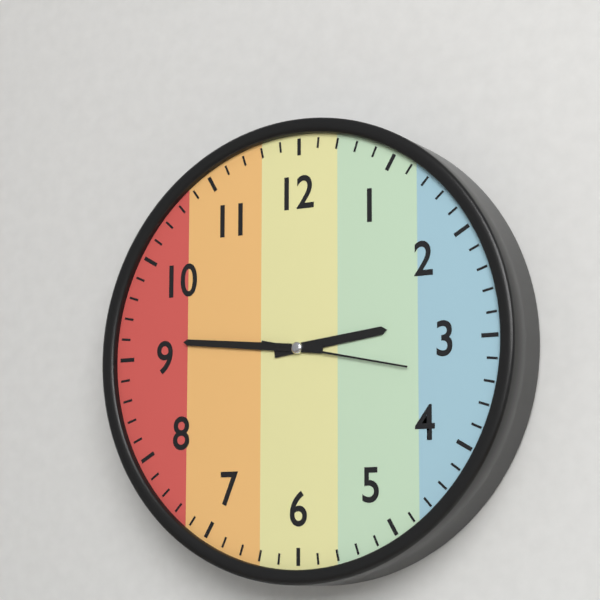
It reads {"hour": 2, "minute": 46, "second": 17}
